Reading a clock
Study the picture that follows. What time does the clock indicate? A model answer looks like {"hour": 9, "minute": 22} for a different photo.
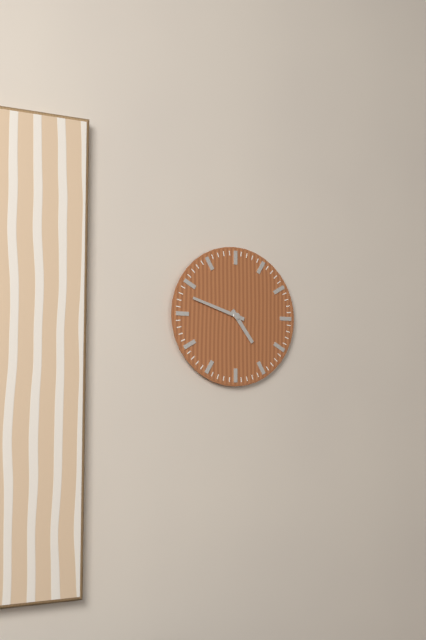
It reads {"hour": 4, "minute": 48}
